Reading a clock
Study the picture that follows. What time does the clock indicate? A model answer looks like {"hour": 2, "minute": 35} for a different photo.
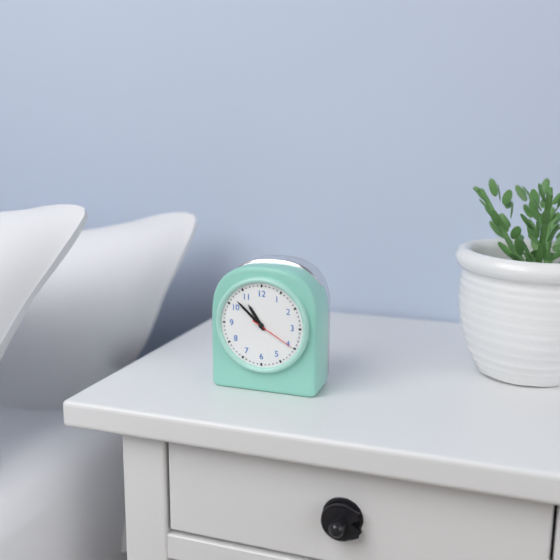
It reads {"hour": 10, "minute": 52}
